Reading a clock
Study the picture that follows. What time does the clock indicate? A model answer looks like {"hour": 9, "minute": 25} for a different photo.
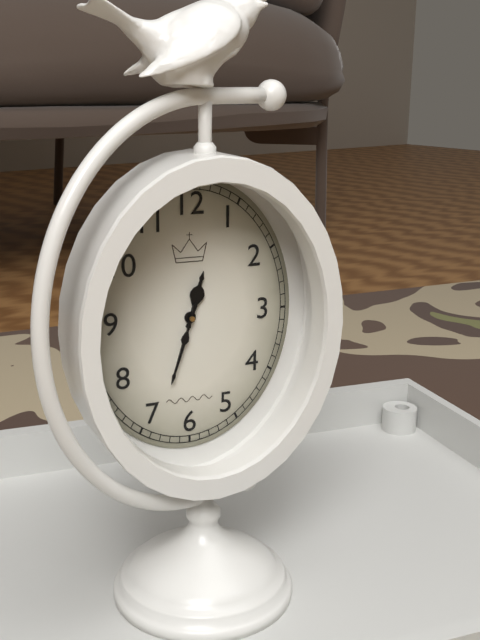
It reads {"hour": 12, "minute": 33}
